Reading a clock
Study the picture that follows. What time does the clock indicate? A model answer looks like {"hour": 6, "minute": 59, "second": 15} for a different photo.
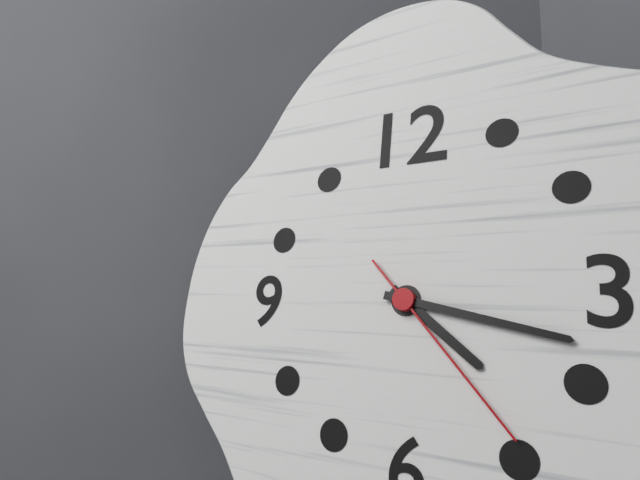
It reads {"hour": 4, "minute": 17, "second": 23}
